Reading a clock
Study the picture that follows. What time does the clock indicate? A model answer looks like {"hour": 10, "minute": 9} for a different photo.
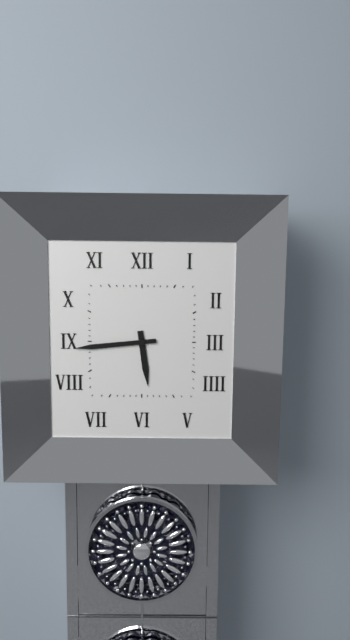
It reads {"hour": 5, "minute": 44}
